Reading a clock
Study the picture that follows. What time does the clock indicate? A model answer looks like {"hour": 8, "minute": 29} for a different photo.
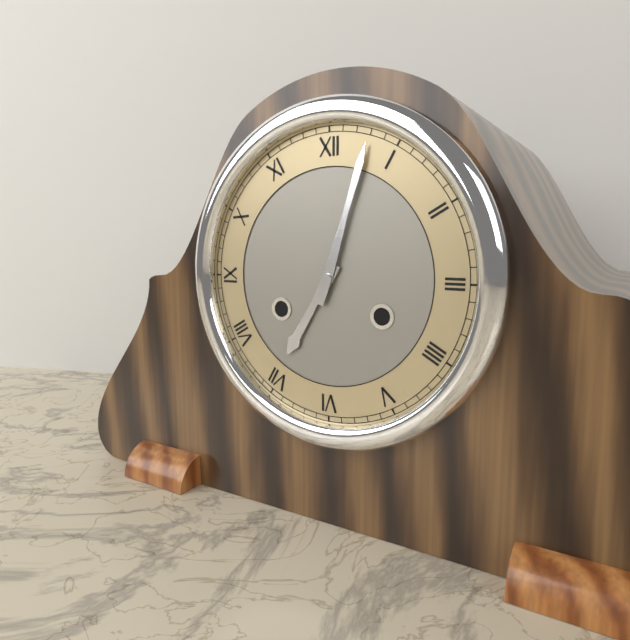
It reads {"hour": 7, "minute": 3}
